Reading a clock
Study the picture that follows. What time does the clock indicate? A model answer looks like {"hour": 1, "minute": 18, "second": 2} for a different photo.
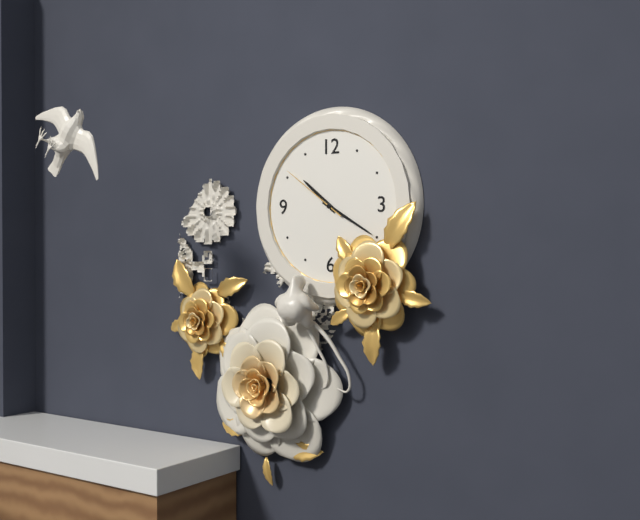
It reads {"hour": 10, "minute": 20, "second": 51}
